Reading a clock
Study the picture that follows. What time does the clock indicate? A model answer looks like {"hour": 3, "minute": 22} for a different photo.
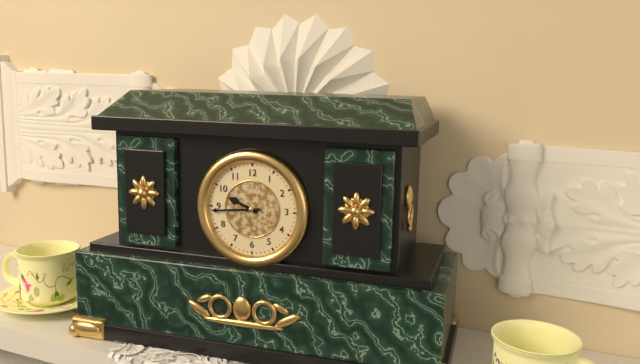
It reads {"hour": 9, "minute": 44}
